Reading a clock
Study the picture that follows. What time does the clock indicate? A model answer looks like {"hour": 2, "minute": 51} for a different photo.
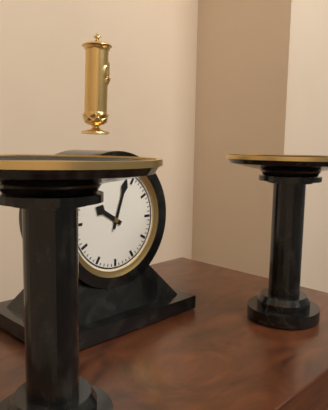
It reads {"hour": 10, "minute": 3}
